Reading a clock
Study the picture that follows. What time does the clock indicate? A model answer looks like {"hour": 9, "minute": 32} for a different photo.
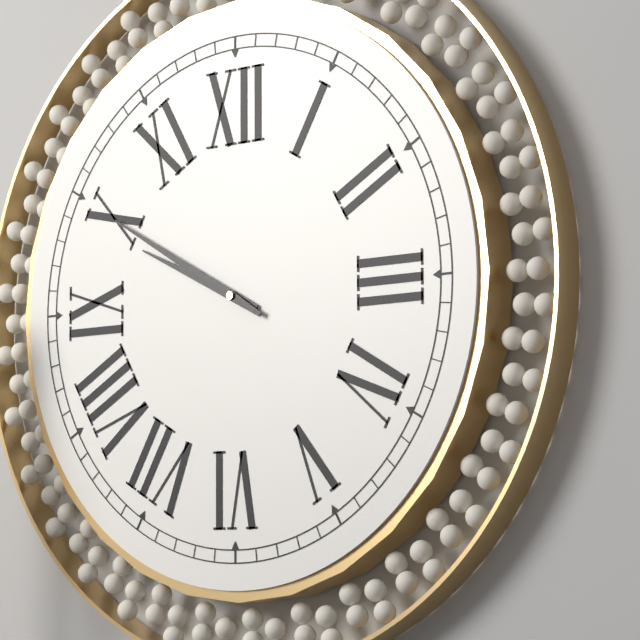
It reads {"hour": 9, "minute": 50}
